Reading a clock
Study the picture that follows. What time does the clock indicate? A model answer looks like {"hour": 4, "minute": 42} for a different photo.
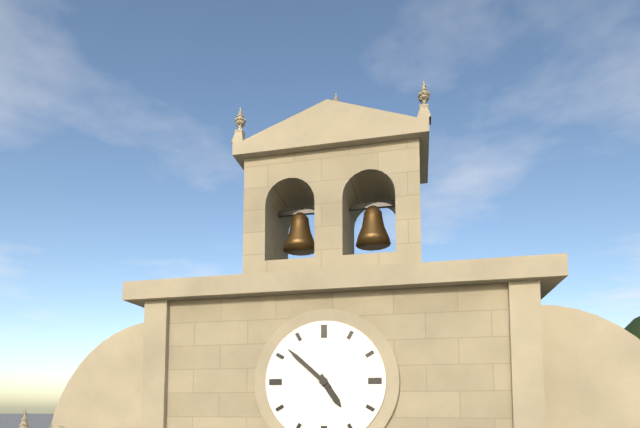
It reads {"hour": 4, "minute": 52}
